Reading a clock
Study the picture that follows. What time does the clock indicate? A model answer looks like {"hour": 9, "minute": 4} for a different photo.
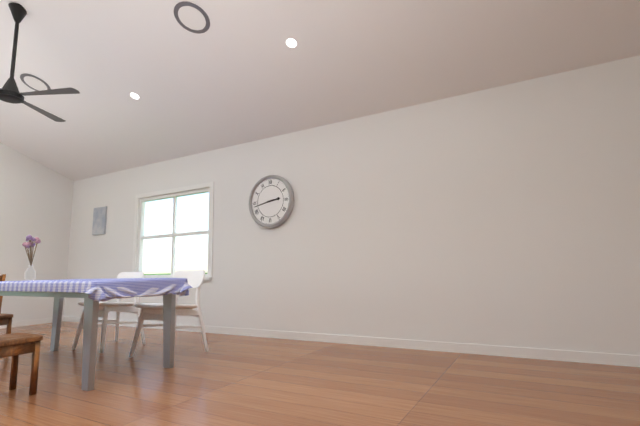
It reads {"hour": 2, "minute": 43}
